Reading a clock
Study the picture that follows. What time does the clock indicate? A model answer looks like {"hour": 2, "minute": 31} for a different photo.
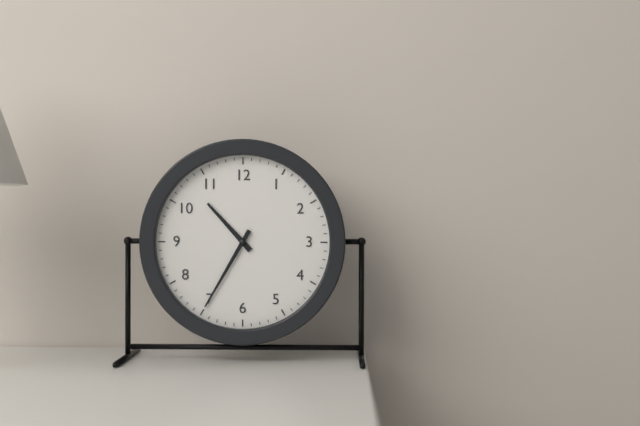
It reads {"hour": 10, "minute": 35}
